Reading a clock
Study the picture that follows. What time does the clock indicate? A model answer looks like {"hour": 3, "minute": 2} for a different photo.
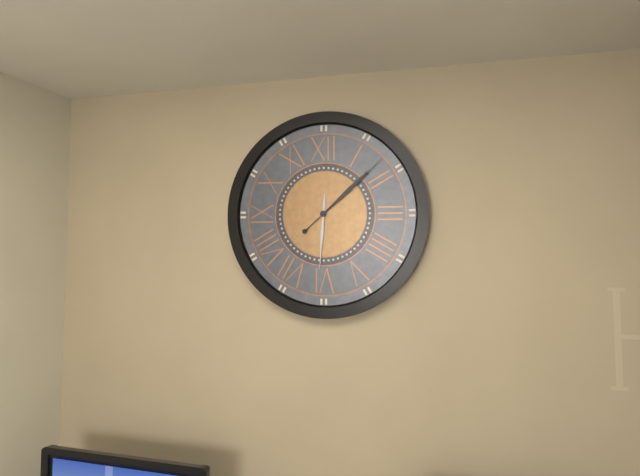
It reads {"hour": 6, "minute": 8}
